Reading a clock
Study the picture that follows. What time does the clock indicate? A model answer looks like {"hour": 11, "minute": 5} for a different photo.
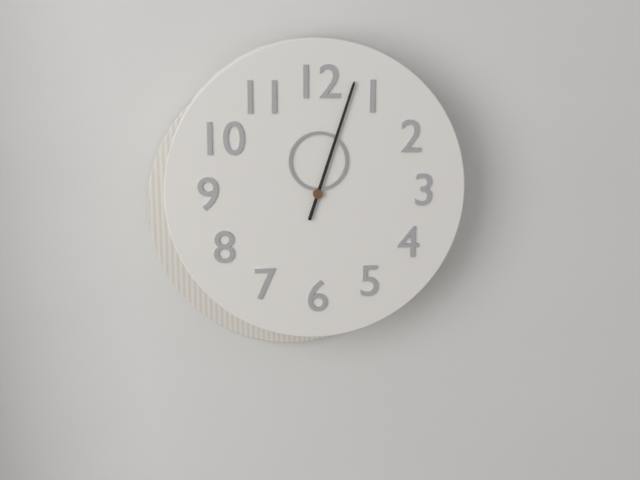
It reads {"hour": 12, "minute": 3}
